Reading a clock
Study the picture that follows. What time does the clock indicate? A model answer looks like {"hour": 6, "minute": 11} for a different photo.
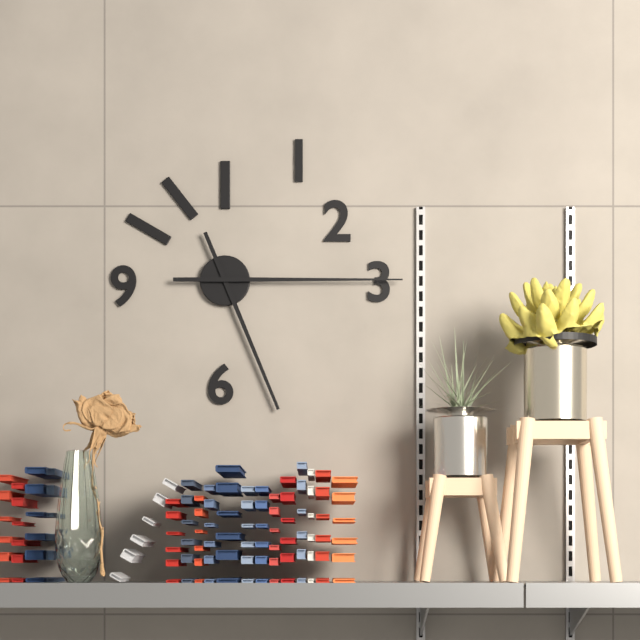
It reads {"hour": 5, "minute": 15}
